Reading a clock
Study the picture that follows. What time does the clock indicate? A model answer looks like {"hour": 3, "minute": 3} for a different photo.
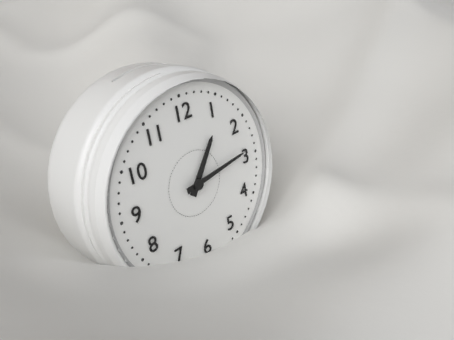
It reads {"hour": 1, "minute": 14}
